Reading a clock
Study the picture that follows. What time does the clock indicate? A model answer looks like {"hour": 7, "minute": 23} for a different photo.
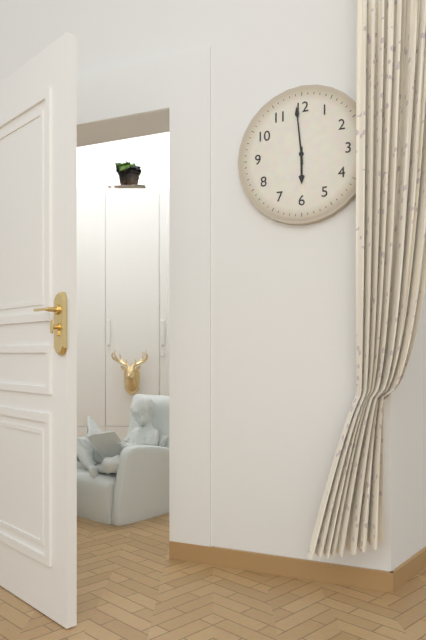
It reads {"hour": 5, "minute": 59}
